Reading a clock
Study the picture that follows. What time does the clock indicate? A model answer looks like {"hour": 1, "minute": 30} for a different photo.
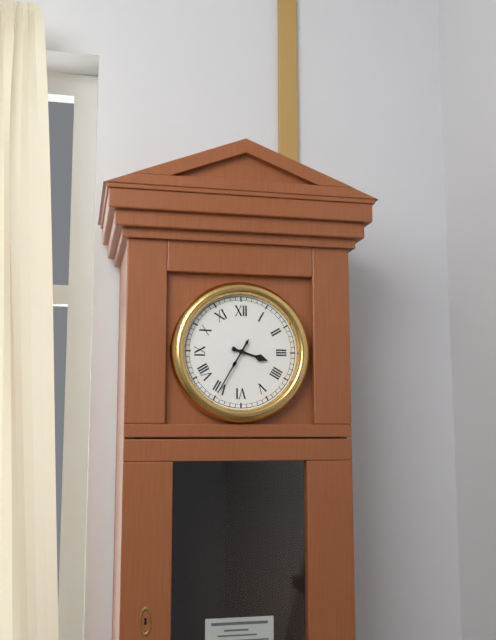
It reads {"hour": 3, "minute": 35}
